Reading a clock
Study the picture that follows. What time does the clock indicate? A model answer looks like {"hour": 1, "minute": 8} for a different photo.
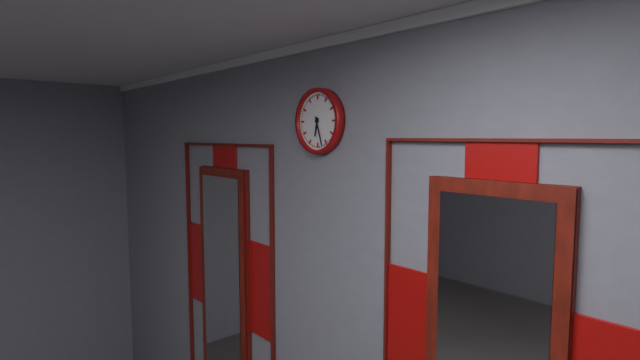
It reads {"hour": 6, "minute": 27}
